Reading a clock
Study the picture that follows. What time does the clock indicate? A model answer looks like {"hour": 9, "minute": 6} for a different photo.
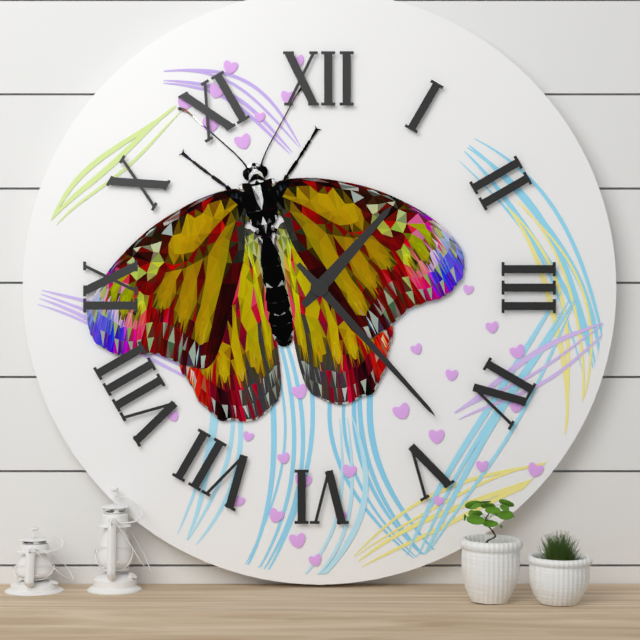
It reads {"hour": 1, "minute": 23}
